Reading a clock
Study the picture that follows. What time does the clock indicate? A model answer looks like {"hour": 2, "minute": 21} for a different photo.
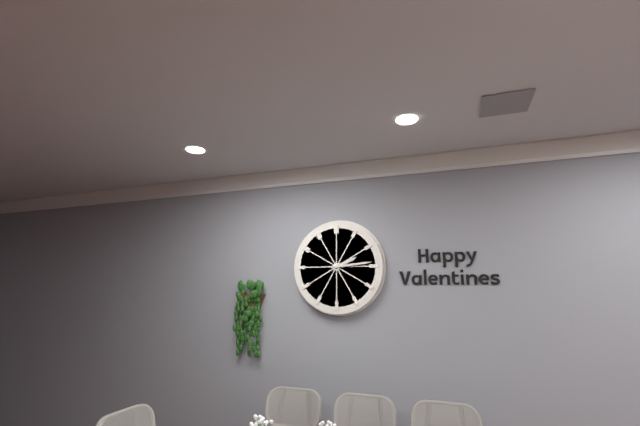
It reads {"hour": 2, "minute": 14}
